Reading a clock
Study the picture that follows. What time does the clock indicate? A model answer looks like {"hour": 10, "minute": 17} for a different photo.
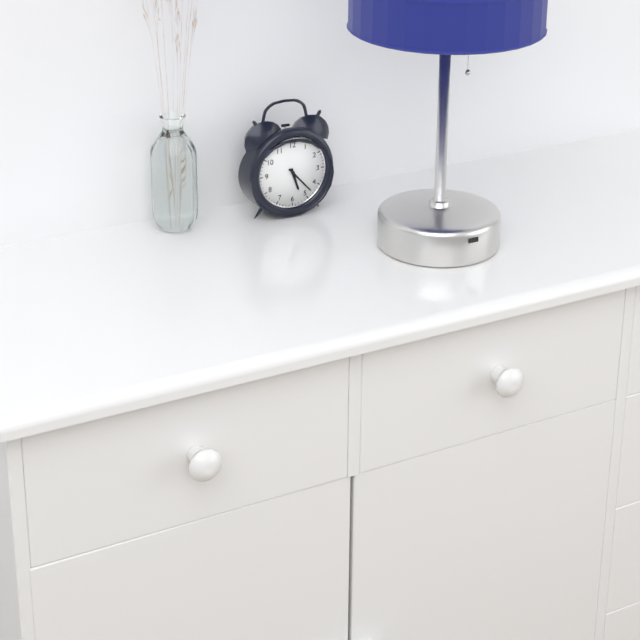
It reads {"hour": 5, "minute": 23}
